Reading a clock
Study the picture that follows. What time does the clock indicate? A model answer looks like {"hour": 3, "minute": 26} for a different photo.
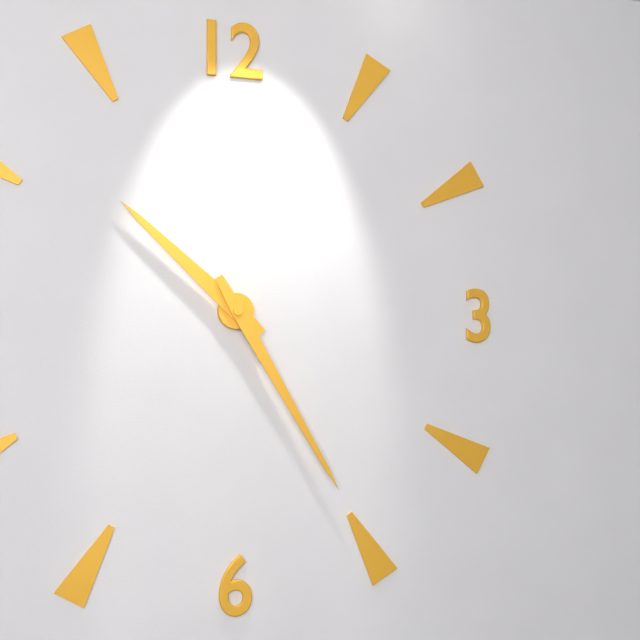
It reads {"hour": 10, "minute": 25}
